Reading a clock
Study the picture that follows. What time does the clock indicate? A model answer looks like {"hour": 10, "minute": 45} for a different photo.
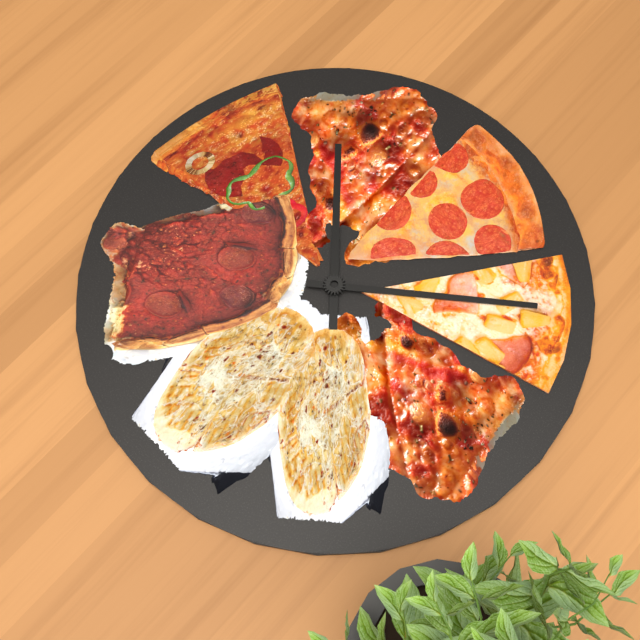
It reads {"hour": 4, "minute": 39}
